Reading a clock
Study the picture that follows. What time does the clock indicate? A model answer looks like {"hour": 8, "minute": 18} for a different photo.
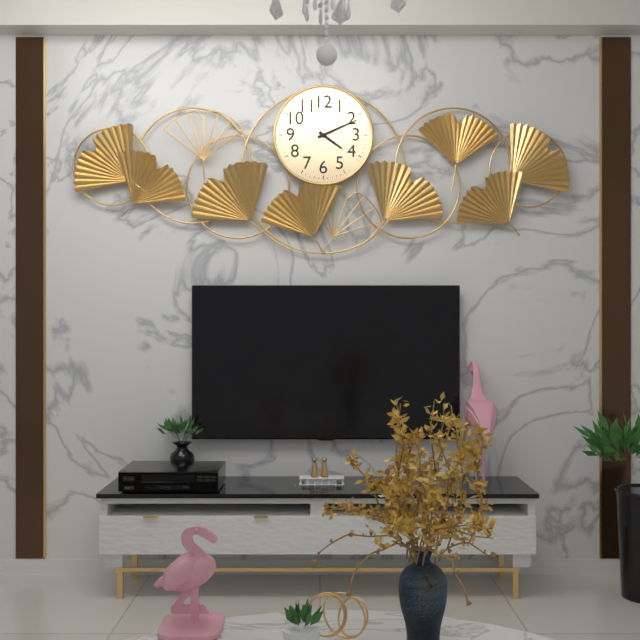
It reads {"hour": 4, "minute": 11}
